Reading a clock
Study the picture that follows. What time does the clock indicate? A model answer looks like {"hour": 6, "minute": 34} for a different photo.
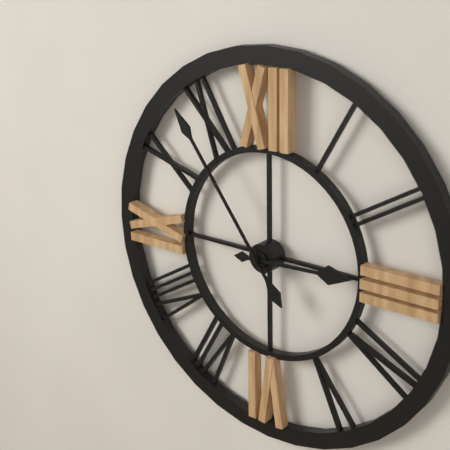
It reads {"hour": 2, "minute": 54}
